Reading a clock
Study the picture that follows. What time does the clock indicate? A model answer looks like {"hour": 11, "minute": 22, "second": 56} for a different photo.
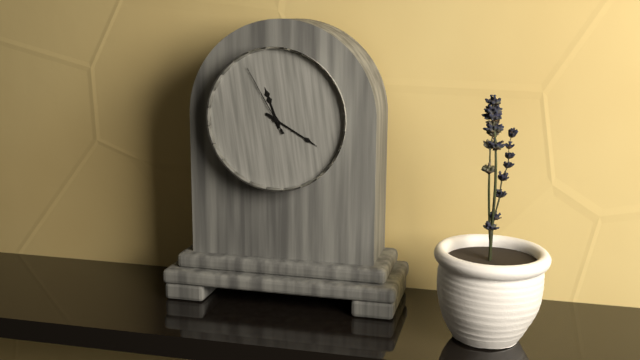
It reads {"hour": 11, "minute": 20, "second": 55}
